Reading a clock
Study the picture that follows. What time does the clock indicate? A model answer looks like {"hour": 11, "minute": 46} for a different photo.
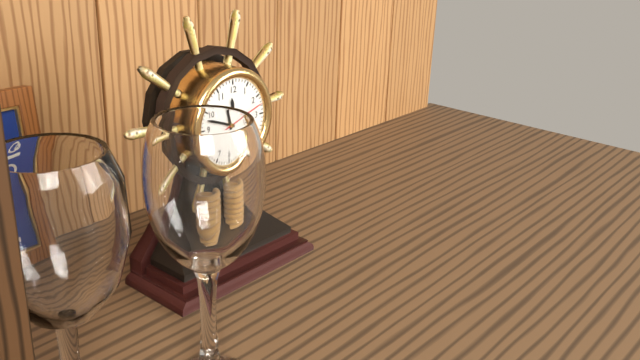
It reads {"hour": 11, "minute": 48}
